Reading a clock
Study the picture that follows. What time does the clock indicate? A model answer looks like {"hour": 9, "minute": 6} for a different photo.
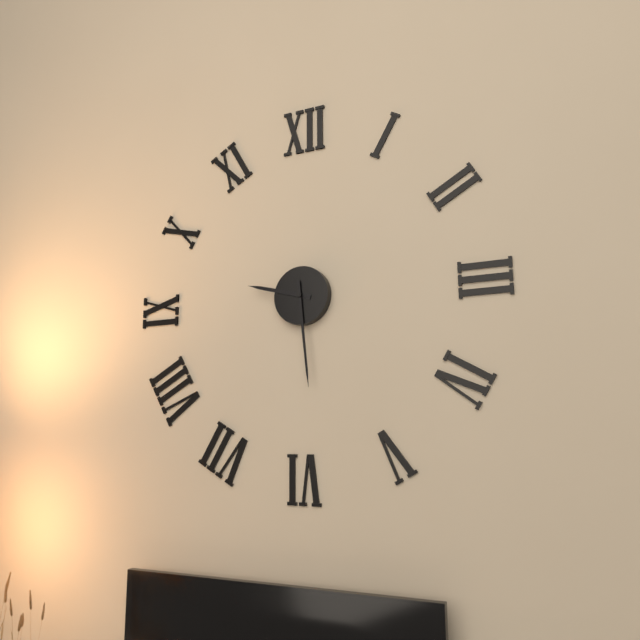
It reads {"hour": 9, "minute": 29}
